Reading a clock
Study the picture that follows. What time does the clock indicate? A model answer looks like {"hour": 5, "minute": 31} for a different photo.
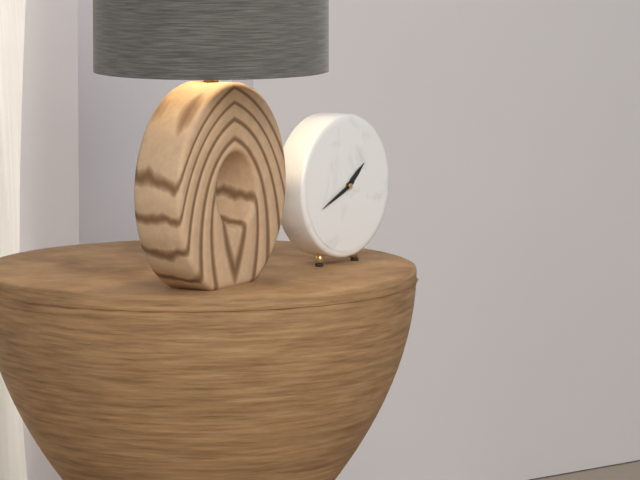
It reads {"hour": 1, "minute": 41}
